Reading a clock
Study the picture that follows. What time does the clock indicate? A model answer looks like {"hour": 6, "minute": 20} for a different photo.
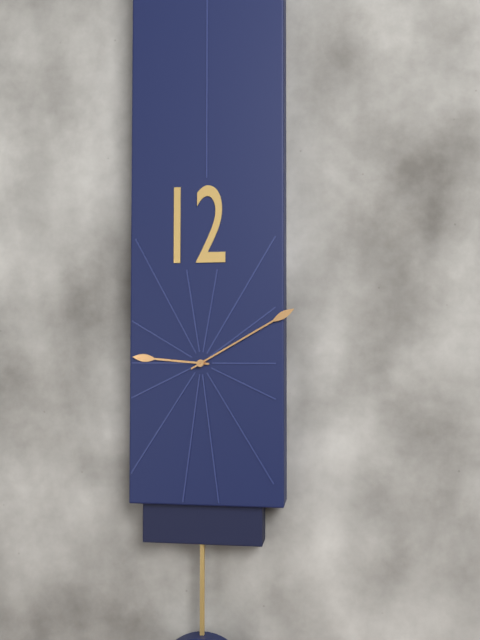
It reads {"hour": 9, "minute": 10}
